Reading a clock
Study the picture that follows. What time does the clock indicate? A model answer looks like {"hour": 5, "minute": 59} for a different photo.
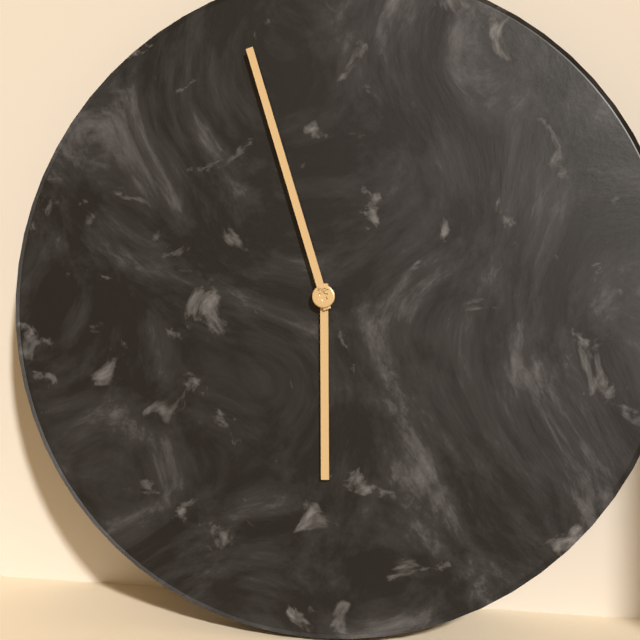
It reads {"hour": 5, "minute": 57}
